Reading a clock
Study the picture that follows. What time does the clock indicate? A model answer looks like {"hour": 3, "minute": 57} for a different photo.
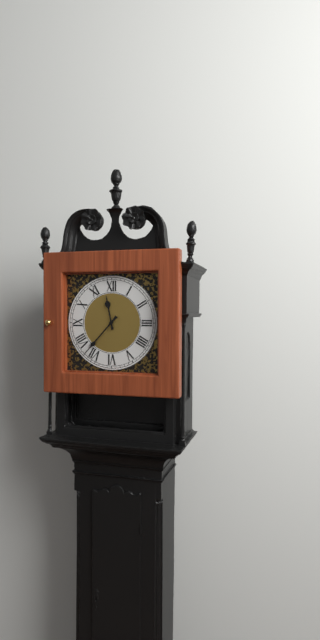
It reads {"hour": 11, "minute": 37}
